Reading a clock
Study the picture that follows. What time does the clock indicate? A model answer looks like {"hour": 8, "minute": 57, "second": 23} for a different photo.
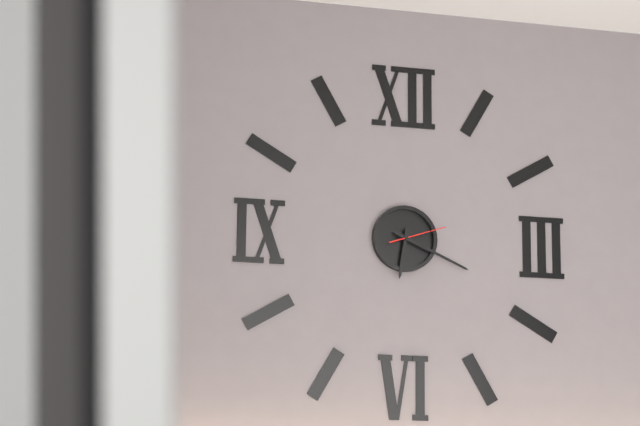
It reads {"hour": 6, "minute": 19, "second": 12}
